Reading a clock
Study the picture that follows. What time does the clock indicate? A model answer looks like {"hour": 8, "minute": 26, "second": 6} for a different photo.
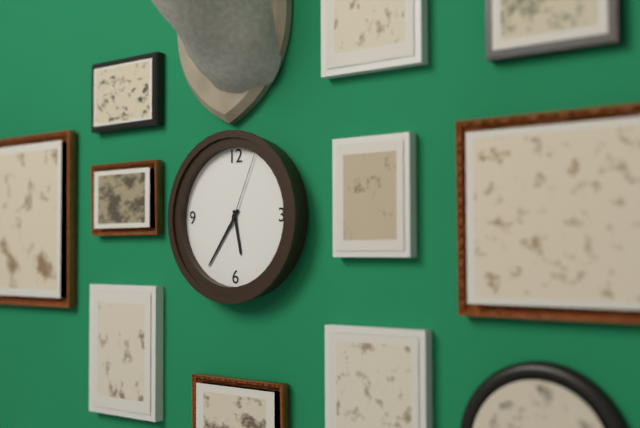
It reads {"hour": 5, "minute": 36, "second": 4}
